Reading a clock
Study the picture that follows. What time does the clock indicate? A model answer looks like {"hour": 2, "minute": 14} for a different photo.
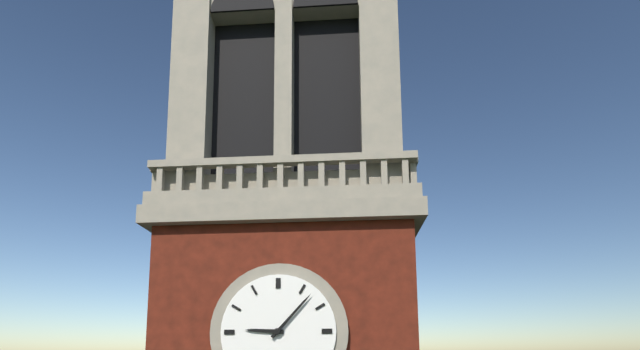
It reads {"hour": 9, "minute": 7}
